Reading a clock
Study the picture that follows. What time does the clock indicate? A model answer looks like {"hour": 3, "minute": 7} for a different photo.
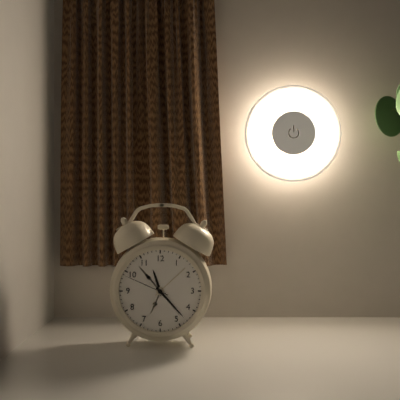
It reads {"hour": 11, "minute": 23}
